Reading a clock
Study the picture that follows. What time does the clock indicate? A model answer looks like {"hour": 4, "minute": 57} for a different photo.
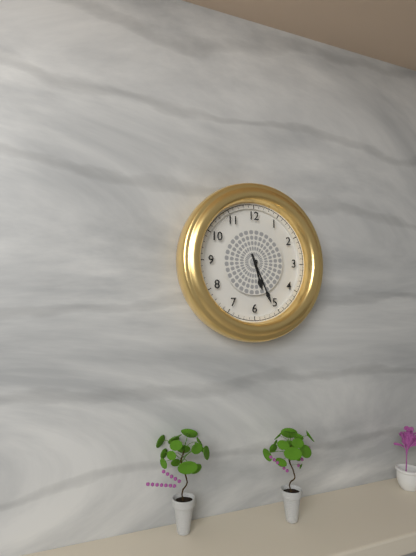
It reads {"hour": 5, "minute": 26}
